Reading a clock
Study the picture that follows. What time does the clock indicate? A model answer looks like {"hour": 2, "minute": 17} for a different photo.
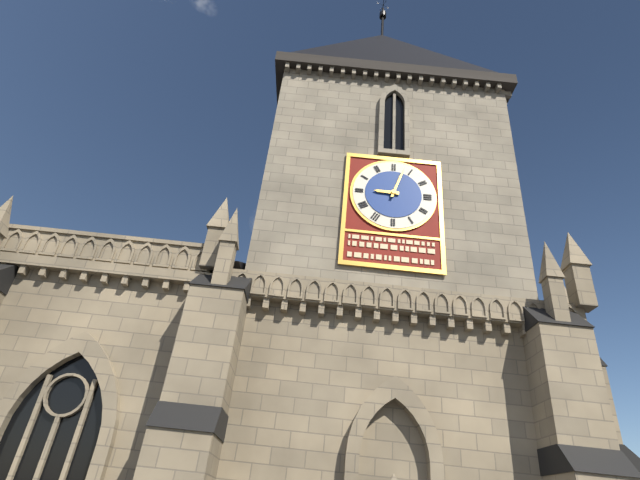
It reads {"hour": 9, "minute": 3}
